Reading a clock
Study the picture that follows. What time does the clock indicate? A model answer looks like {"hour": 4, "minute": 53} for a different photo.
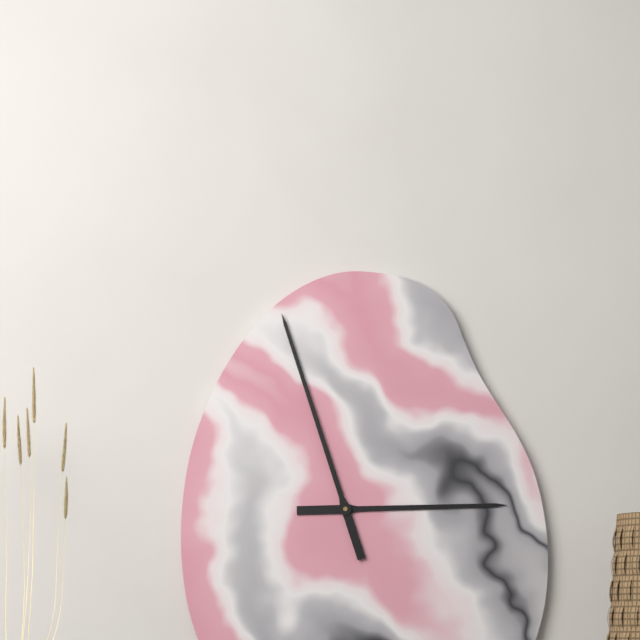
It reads {"hour": 2, "minute": 57}
